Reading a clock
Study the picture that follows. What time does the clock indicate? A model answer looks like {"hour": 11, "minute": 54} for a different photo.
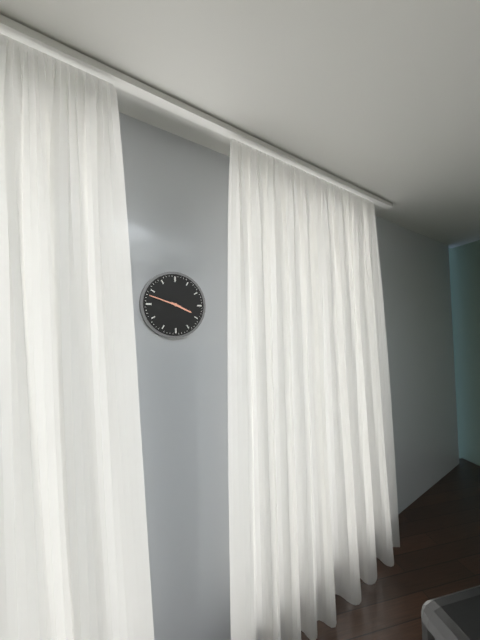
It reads {"hour": 3, "minute": 48}
